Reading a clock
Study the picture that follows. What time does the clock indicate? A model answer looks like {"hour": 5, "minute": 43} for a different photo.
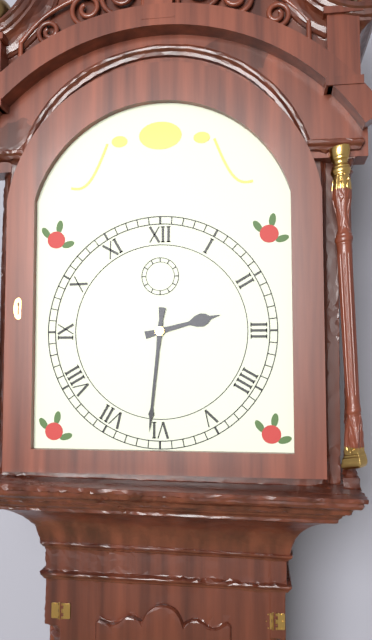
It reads {"hour": 2, "minute": 31}
